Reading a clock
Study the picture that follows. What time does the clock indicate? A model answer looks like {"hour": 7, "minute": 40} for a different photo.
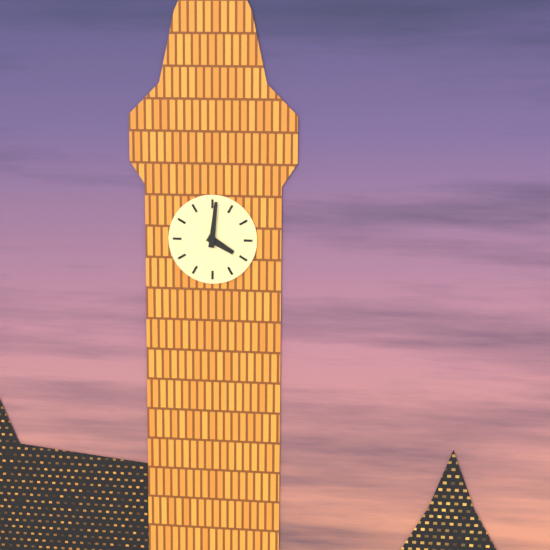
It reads {"hour": 4, "minute": 1}
